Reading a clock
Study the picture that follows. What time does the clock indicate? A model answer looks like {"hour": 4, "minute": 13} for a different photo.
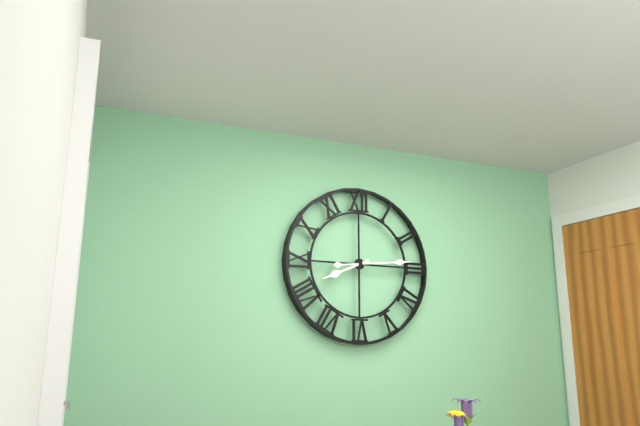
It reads {"hour": 8, "minute": 14}
